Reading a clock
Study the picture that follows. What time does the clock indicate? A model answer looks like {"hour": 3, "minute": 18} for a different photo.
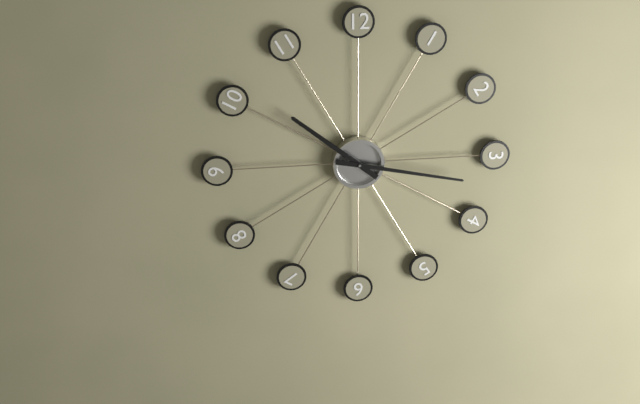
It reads {"hour": 10, "minute": 17}
